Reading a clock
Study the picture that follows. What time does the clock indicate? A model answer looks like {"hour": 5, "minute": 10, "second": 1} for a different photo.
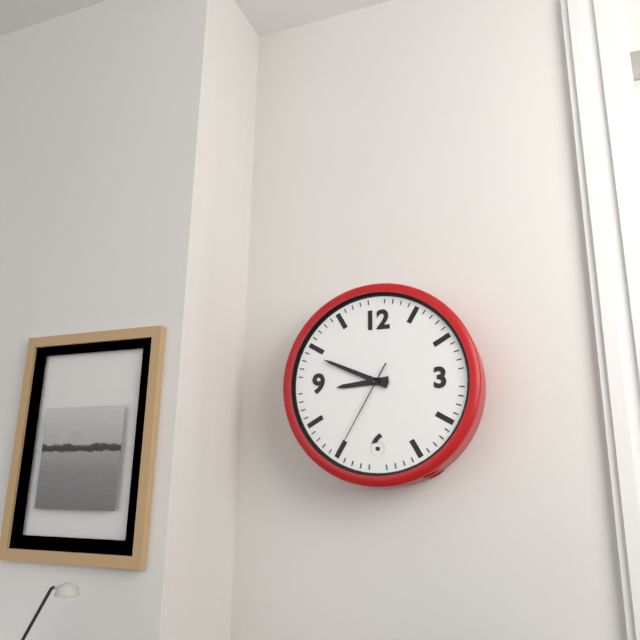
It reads {"hour": 8, "minute": 49, "second": 35}
